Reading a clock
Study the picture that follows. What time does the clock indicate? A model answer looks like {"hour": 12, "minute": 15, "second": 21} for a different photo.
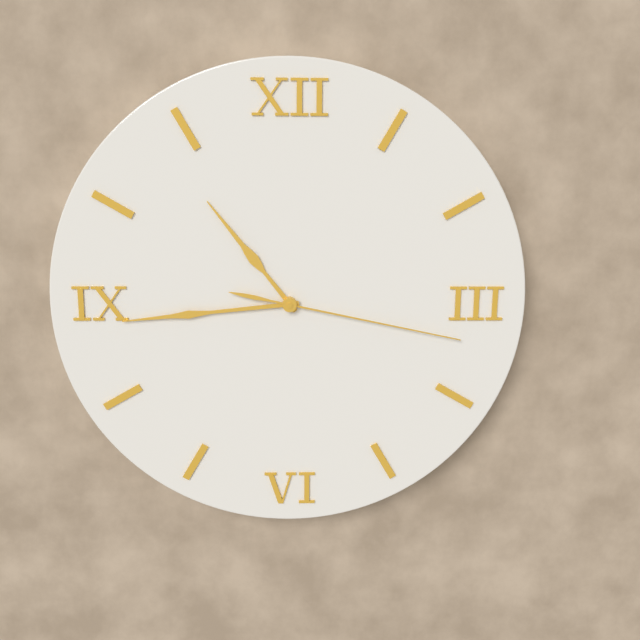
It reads {"hour": 10, "minute": 44, "second": 17}
